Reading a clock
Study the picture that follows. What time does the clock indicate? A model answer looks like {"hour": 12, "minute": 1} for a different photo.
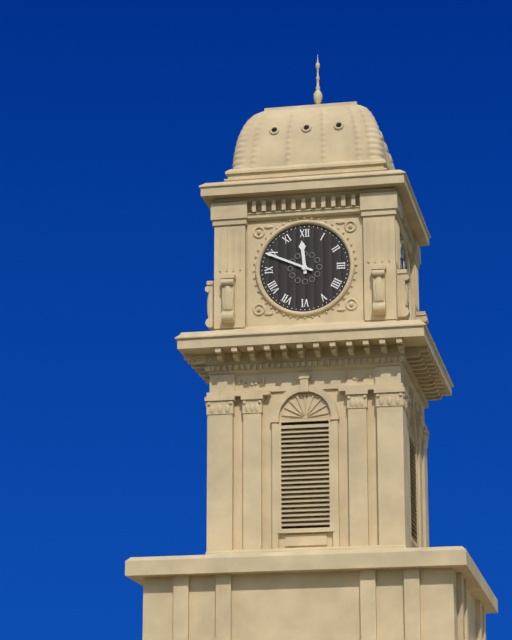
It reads {"hour": 11, "minute": 49}
